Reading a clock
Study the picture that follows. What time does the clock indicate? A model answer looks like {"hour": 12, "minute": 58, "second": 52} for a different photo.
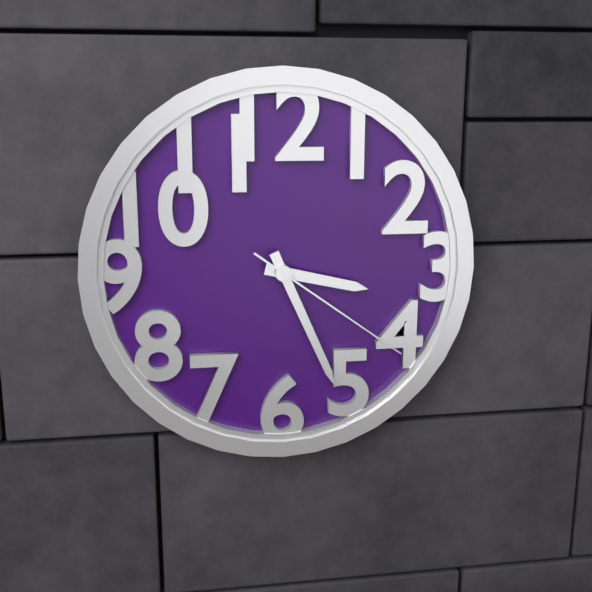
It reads {"hour": 3, "minute": 26, "second": 21}
